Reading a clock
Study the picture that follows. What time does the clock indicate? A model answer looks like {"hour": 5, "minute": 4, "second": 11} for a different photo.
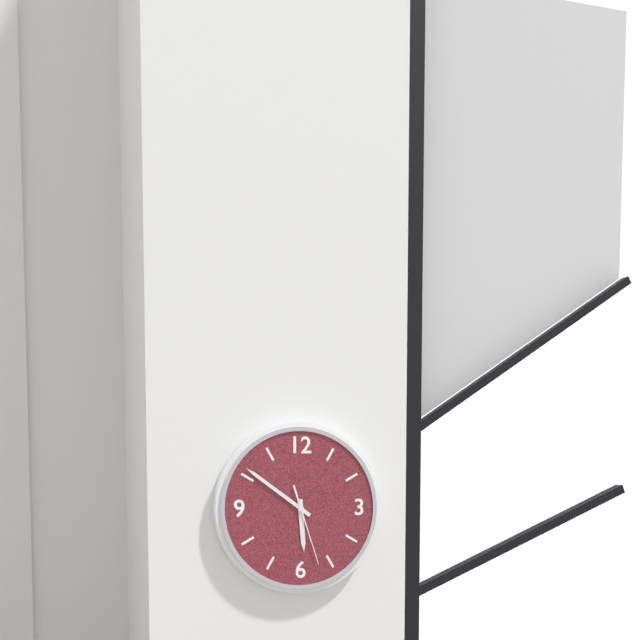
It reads {"hour": 5, "minute": 51, "second": 27}
